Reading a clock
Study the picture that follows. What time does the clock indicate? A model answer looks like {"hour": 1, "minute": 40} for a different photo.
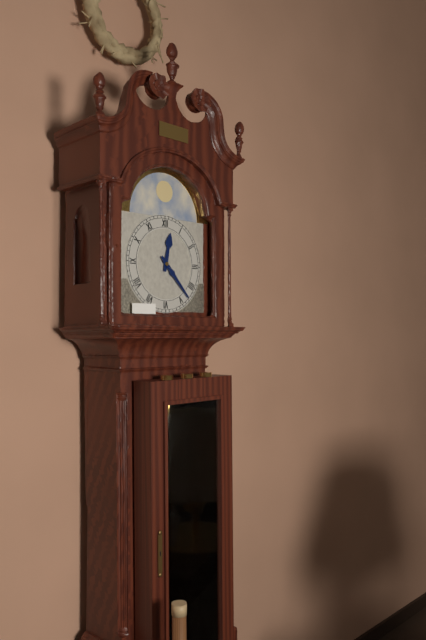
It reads {"hour": 12, "minute": 23}
